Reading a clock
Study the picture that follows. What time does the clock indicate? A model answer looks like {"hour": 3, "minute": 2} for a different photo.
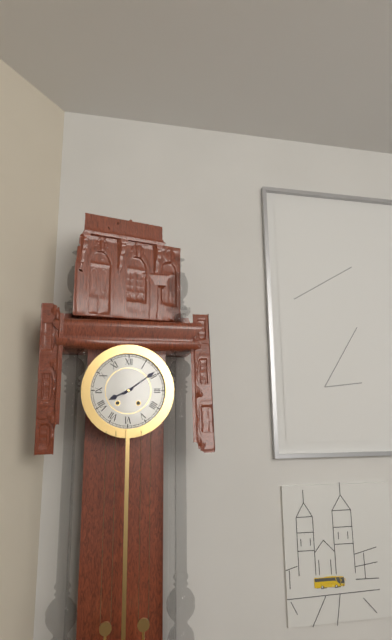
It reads {"hour": 8, "minute": 9}
